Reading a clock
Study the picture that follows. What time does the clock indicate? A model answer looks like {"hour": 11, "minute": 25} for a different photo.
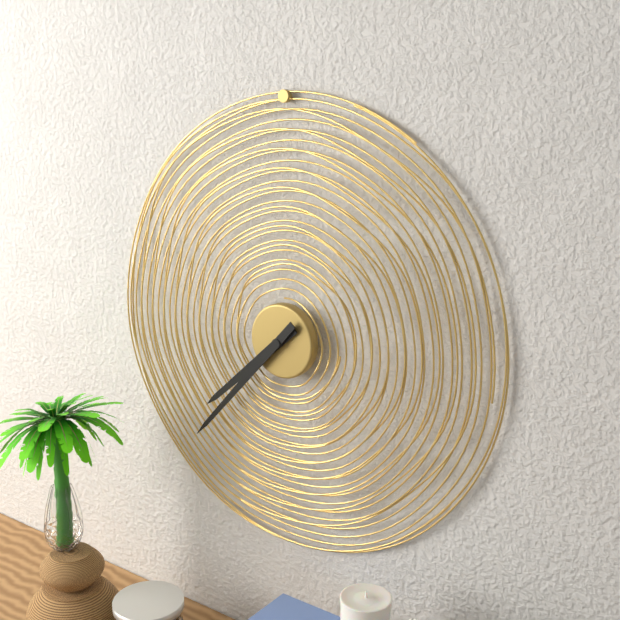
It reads {"hour": 7, "minute": 37}
